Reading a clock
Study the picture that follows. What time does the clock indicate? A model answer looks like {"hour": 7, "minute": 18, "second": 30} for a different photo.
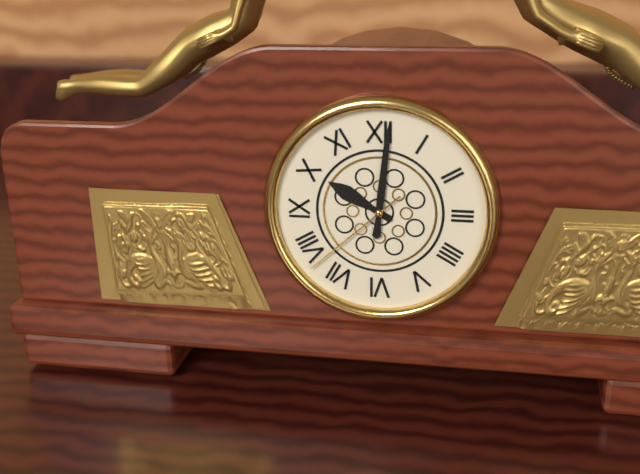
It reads {"hour": 10, "minute": 1, "second": 38}
